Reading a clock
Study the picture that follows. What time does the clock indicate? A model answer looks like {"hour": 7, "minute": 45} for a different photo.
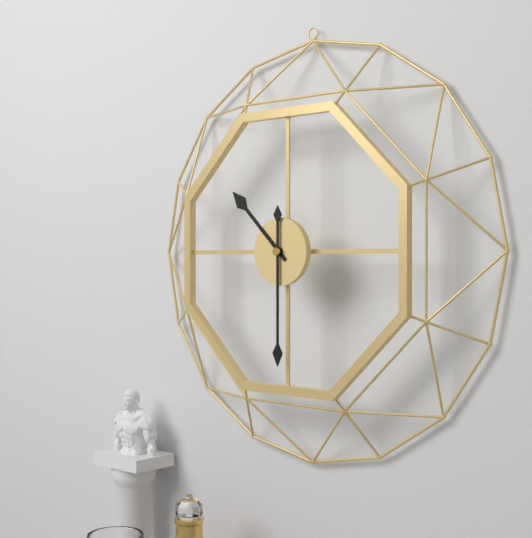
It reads {"hour": 10, "minute": 30}
